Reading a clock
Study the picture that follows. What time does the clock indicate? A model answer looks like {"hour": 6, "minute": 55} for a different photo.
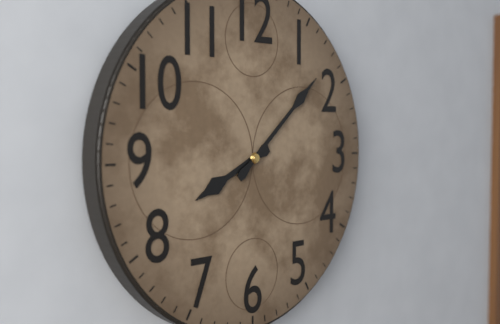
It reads {"hour": 8, "minute": 8}
